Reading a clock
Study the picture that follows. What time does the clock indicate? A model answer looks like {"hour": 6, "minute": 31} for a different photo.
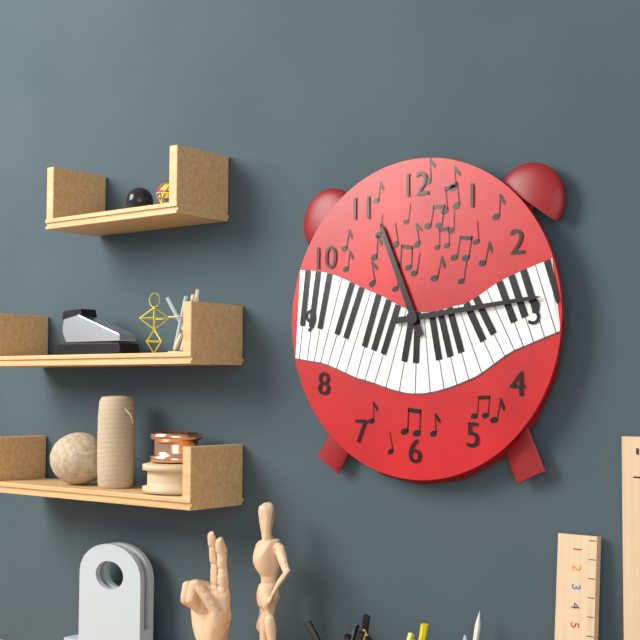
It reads {"hour": 11, "minute": 14}
